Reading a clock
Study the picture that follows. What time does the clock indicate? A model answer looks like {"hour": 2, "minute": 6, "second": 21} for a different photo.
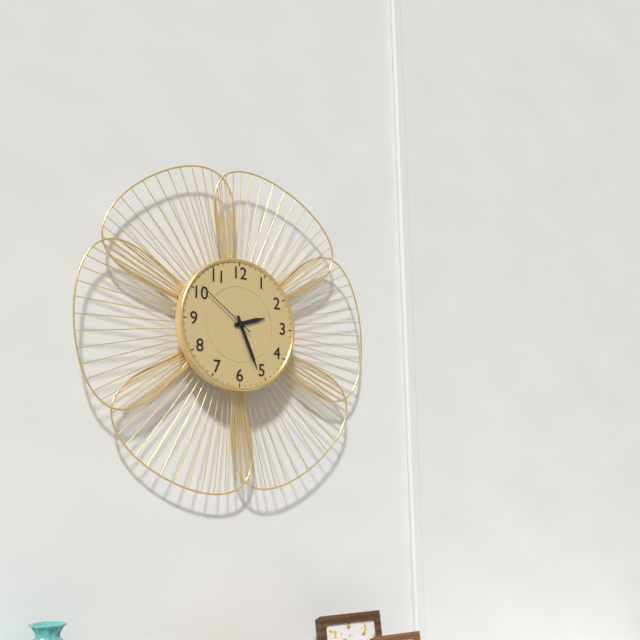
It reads {"hour": 2, "minute": 26, "second": 51}
